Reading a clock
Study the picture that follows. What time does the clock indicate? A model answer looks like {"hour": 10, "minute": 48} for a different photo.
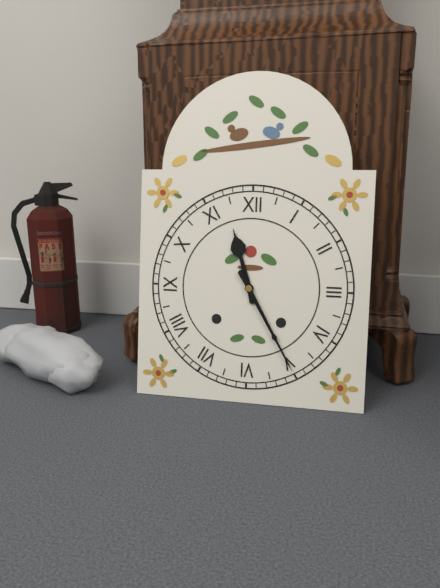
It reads {"hour": 11, "minute": 25}
